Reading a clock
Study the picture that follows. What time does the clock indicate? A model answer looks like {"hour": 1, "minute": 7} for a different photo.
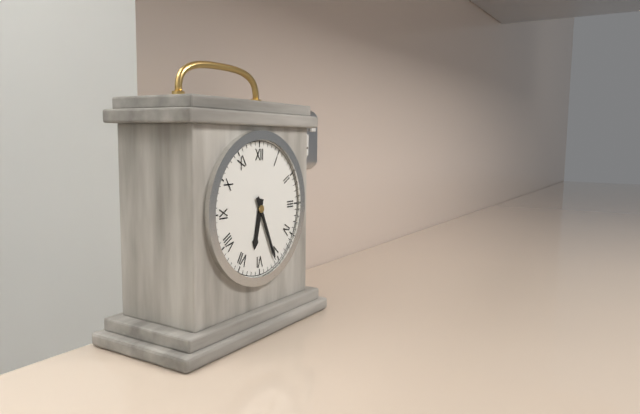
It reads {"hour": 6, "minute": 26}
